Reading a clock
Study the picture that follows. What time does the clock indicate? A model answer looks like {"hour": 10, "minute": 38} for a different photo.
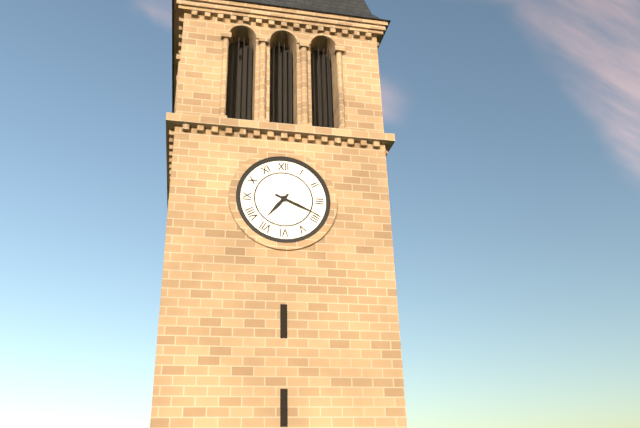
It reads {"hour": 7, "minute": 19}
